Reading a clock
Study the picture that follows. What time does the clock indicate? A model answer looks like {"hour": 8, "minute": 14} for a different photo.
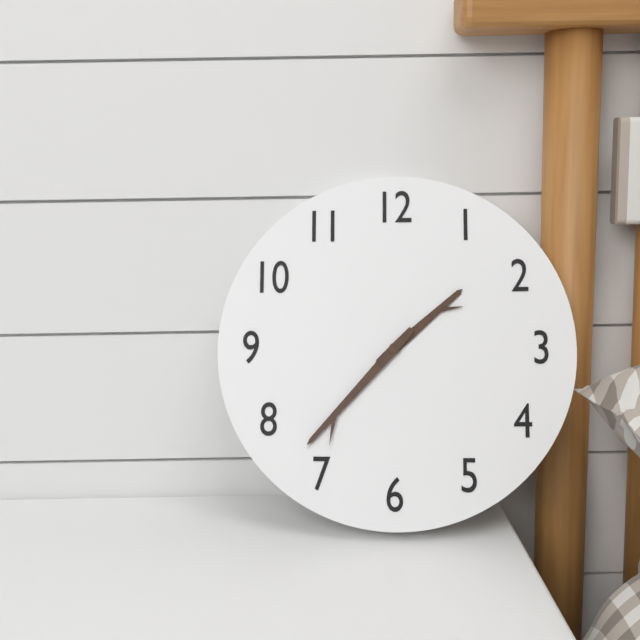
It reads {"hour": 1, "minute": 37}
